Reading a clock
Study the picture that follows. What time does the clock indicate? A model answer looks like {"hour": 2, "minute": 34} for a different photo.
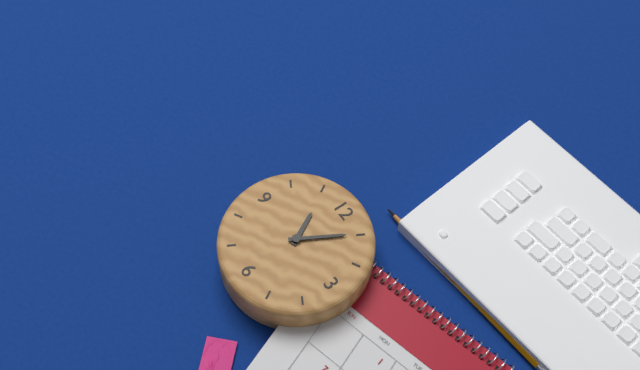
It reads {"hour": 11, "minute": 5}
